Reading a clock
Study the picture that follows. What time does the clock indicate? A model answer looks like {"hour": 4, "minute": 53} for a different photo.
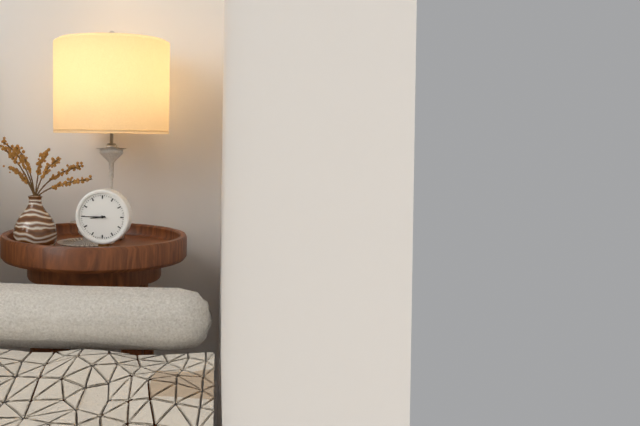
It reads {"hour": 8, "minute": 45}
